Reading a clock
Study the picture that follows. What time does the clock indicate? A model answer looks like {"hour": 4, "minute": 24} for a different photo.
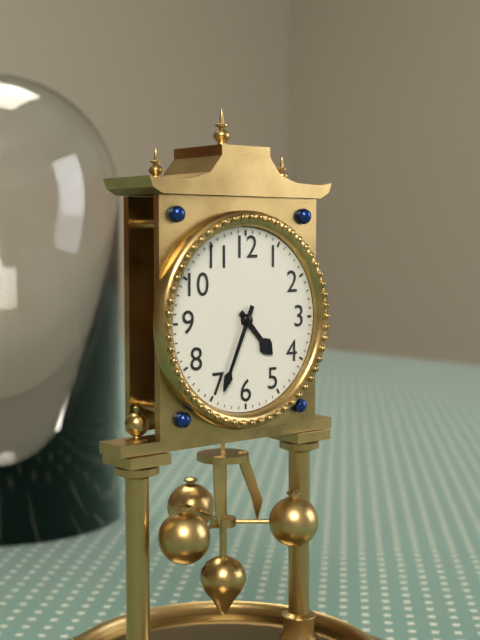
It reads {"hour": 4, "minute": 34}
